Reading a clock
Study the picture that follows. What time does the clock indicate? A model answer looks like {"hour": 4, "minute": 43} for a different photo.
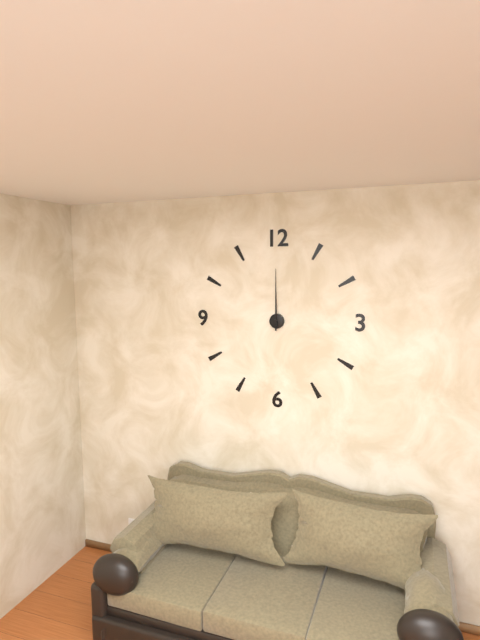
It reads {"hour": 12, "minute": 0}
